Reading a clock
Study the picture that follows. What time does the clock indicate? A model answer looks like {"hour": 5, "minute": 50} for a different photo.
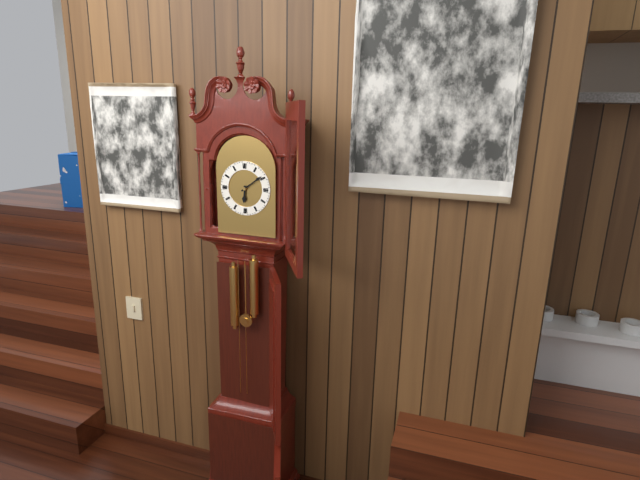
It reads {"hour": 6, "minute": 9}
